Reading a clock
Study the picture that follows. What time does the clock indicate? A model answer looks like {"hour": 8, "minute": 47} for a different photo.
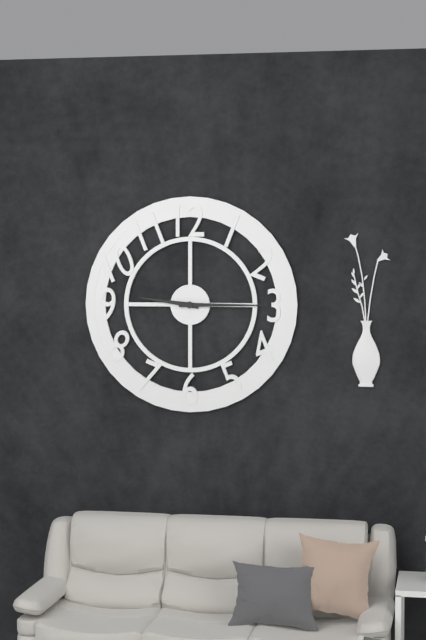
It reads {"hour": 9, "minute": 15}
